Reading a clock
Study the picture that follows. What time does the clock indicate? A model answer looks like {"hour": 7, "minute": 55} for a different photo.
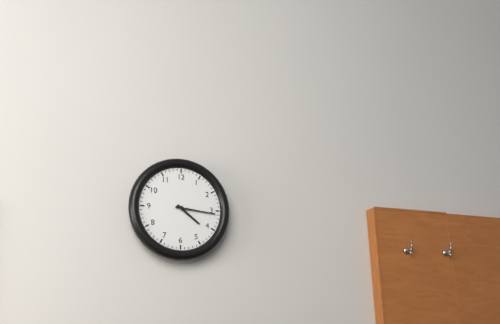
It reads {"hour": 4, "minute": 16}
